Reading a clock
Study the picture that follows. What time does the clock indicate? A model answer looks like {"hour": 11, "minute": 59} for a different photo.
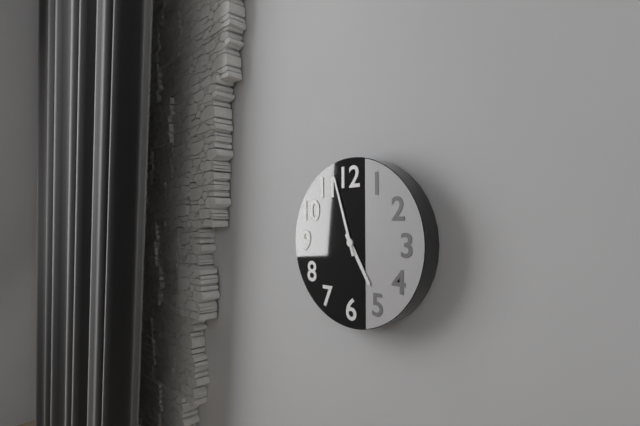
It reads {"hour": 4, "minute": 57}
